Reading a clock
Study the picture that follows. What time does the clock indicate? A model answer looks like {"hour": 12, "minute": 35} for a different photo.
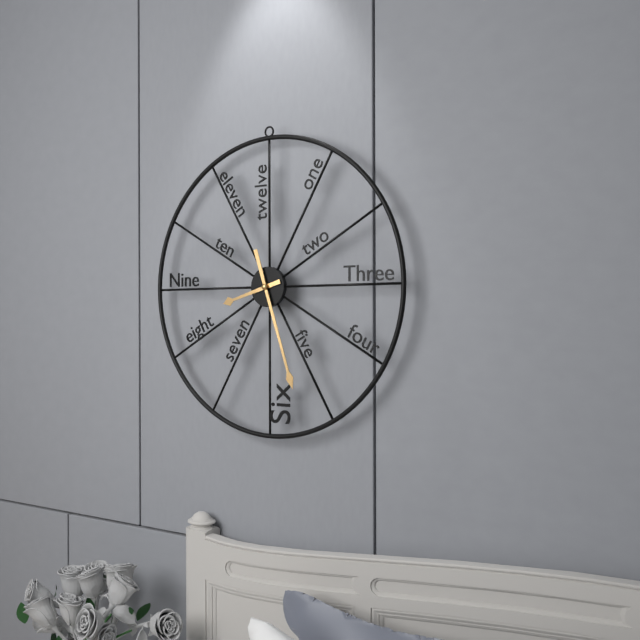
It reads {"hour": 8, "minute": 27}
